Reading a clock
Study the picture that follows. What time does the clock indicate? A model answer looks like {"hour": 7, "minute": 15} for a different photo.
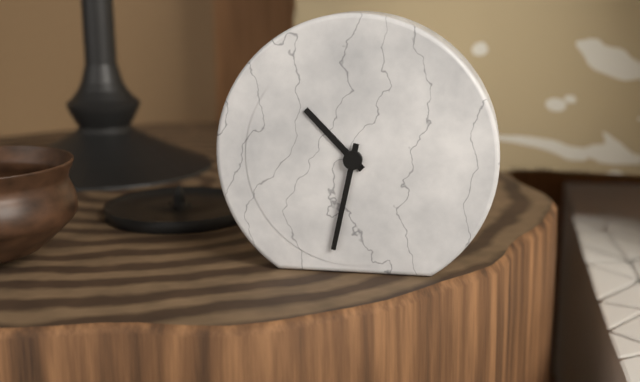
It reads {"hour": 10, "minute": 32}
